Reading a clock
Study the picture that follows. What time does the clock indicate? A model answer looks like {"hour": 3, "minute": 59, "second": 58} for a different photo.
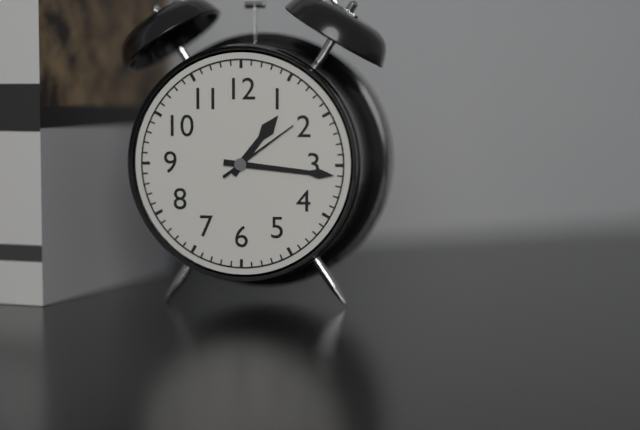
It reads {"hour": 1, "minute": 16, "second": 9}
